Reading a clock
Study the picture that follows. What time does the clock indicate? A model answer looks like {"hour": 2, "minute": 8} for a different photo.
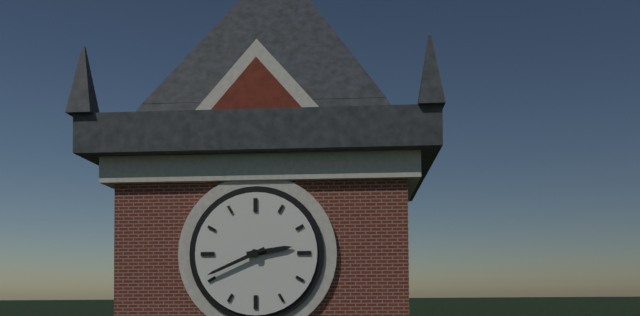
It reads {"hour": 2, "minute": 41}
